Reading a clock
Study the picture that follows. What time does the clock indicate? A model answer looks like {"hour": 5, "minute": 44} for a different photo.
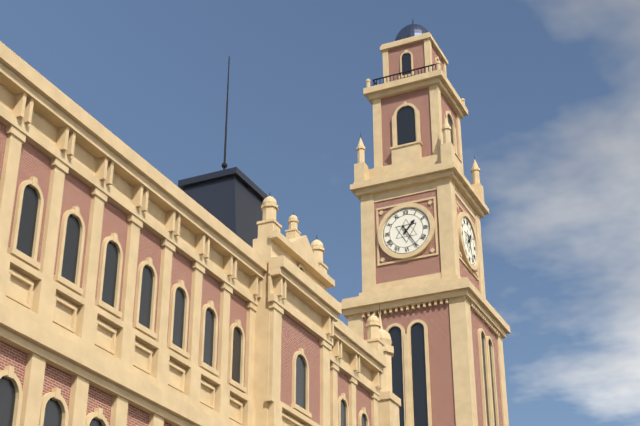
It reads {"hour": 1, "minute": 25}
